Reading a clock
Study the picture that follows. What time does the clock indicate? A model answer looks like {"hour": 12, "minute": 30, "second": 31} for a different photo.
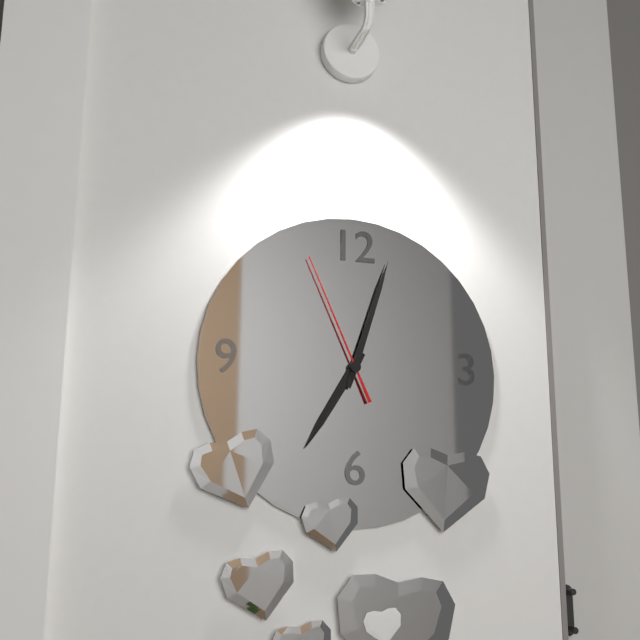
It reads {"hour": 7, "minute": 3, "second": 56}
